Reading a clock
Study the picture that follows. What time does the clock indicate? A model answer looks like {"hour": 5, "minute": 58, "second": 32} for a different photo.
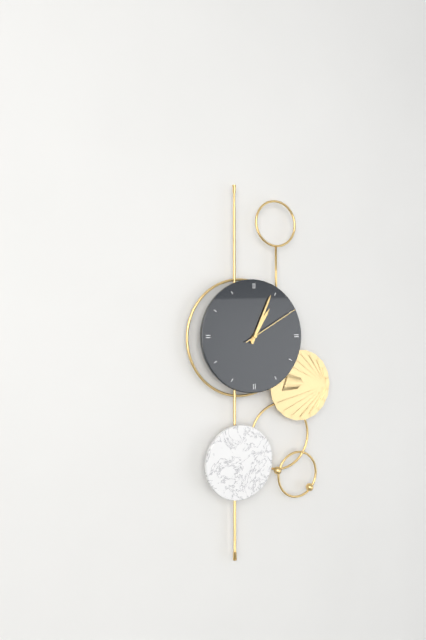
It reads {"hour": 1, "minute": 4, "second": 10}
